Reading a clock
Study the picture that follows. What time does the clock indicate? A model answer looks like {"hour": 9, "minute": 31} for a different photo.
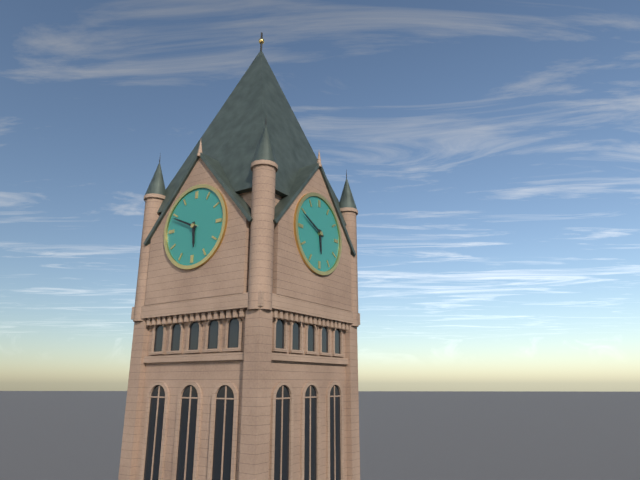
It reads {"hour": 5, "minute": 49}
